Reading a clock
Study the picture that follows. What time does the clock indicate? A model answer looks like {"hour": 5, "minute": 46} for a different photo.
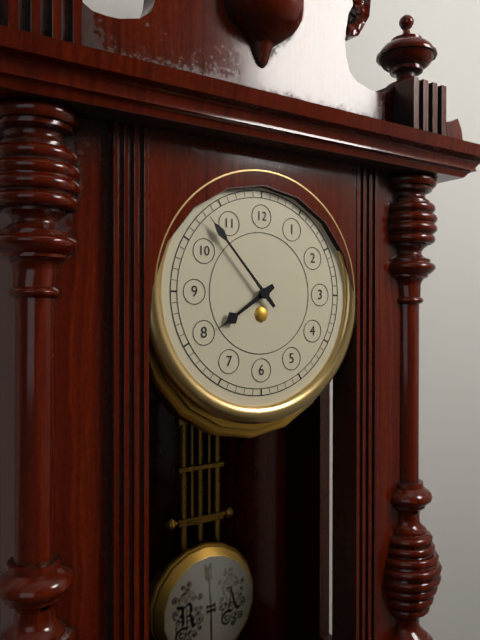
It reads {"hour": 7, "minute": 53}
